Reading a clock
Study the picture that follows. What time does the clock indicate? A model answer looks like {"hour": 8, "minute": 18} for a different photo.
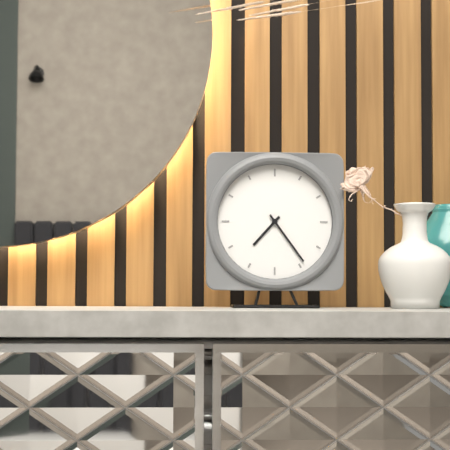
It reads {"hour": 7, "minute": 24}
